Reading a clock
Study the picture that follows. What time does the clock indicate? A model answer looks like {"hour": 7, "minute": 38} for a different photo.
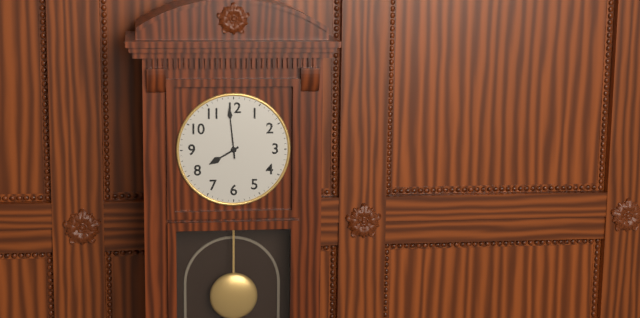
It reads {"hour": 7, "minute": 59}
